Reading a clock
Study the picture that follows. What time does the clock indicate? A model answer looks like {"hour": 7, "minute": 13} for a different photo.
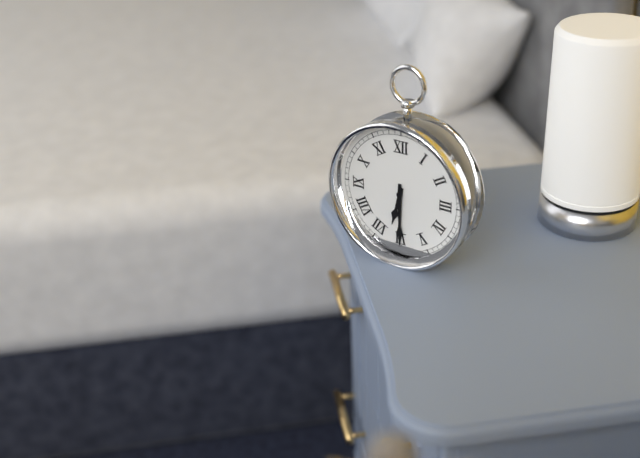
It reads {"hour": 6, "minute": 30}
